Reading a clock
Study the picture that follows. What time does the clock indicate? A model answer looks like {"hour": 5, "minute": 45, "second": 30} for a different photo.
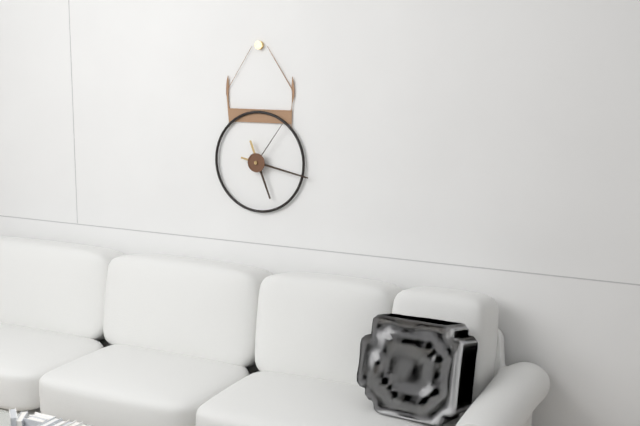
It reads {"hour": 5, "minute": 17, "second": 6}
